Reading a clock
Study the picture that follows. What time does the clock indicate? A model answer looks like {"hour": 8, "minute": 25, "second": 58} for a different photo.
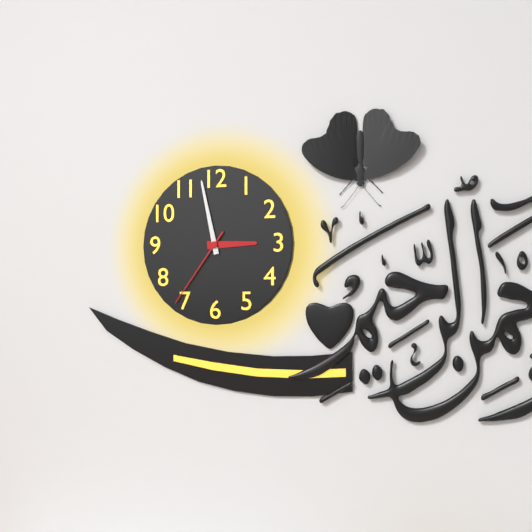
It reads {"hour": 2, "minute": 58, "second": 36}
